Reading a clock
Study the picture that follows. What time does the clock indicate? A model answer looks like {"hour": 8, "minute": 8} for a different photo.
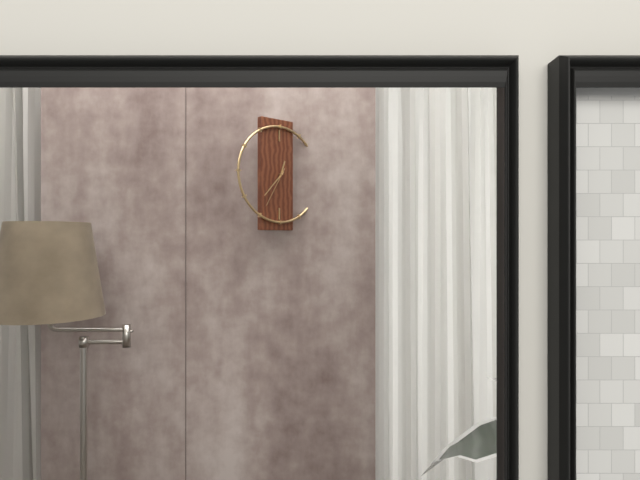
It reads {"hour": 12, "minute": 37}
